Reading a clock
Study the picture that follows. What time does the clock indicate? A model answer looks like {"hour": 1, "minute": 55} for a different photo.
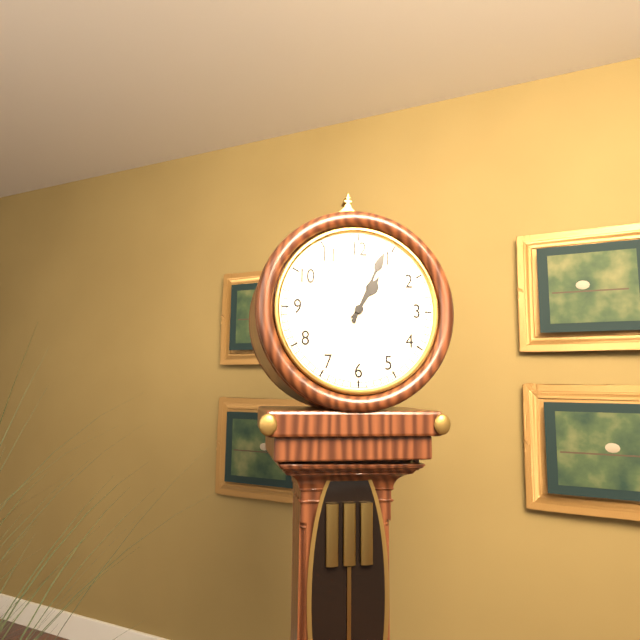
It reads {"hour": 1, "minute": 4}
